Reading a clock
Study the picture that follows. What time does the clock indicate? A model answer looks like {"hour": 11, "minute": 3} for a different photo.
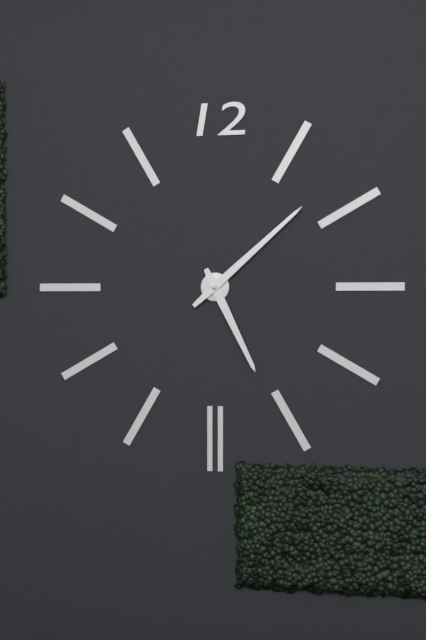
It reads {"hour": 5, "minute": 8}
